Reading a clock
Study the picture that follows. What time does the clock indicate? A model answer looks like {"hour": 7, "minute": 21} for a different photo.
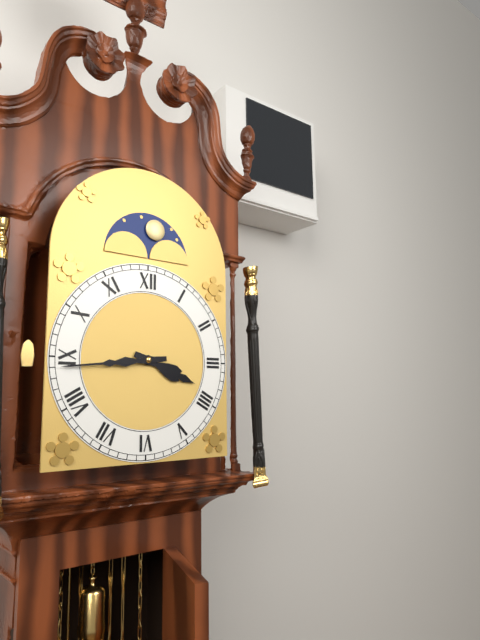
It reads {"hour": 3, "minute": 44}
